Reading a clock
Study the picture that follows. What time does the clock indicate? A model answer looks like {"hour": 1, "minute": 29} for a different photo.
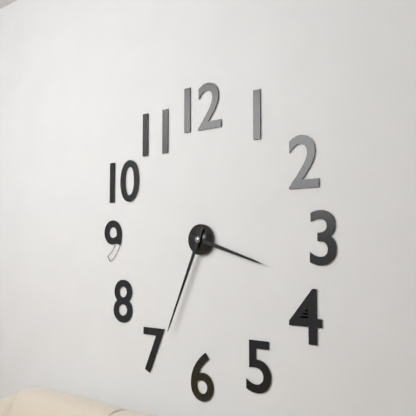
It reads {"hour": 3, "minute": 34}
